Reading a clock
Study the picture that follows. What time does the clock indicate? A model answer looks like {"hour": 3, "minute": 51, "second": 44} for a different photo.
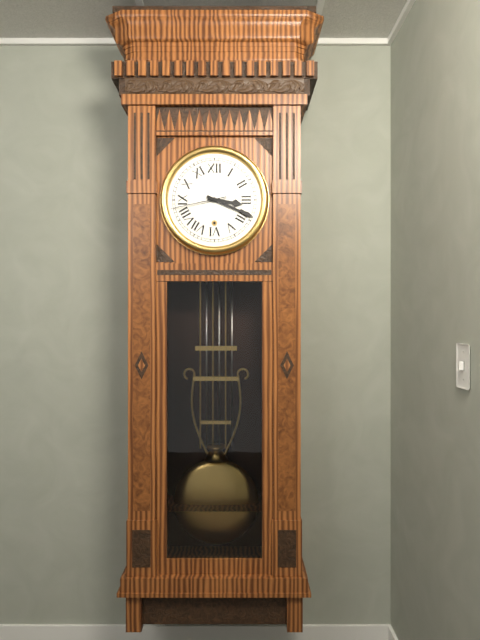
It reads {"hour": 3, "minute": 19, "second": 43}
